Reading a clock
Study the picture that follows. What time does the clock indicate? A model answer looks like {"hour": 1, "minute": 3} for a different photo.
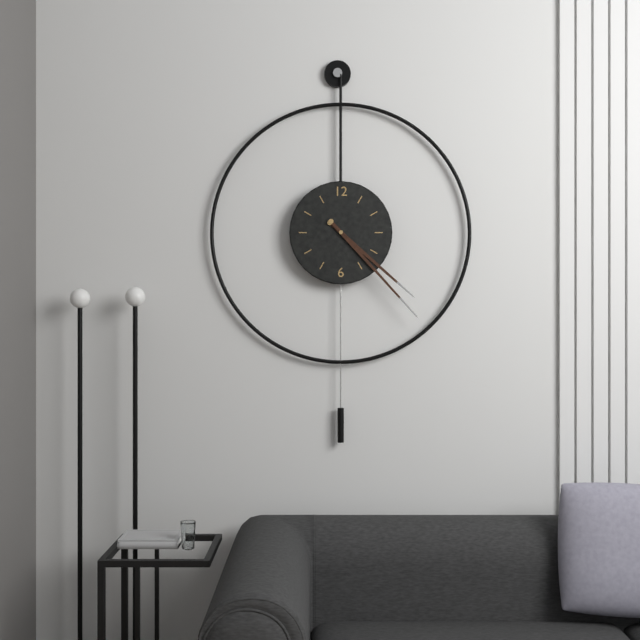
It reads {"hour": 4, "minute": 23}
